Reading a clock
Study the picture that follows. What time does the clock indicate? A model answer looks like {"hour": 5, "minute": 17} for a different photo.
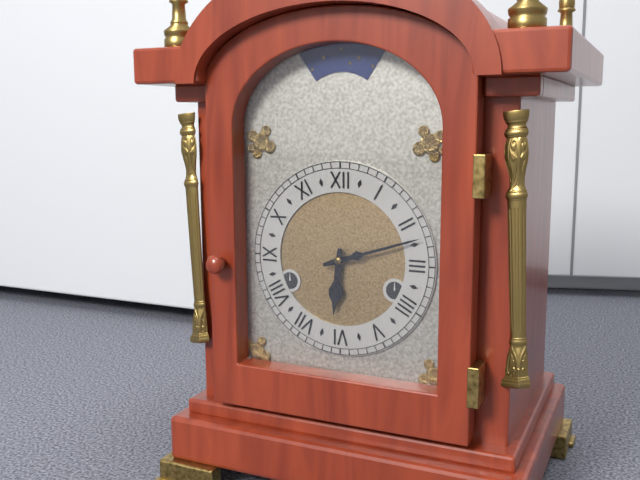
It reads {"hour": 6, "minute": 12}
